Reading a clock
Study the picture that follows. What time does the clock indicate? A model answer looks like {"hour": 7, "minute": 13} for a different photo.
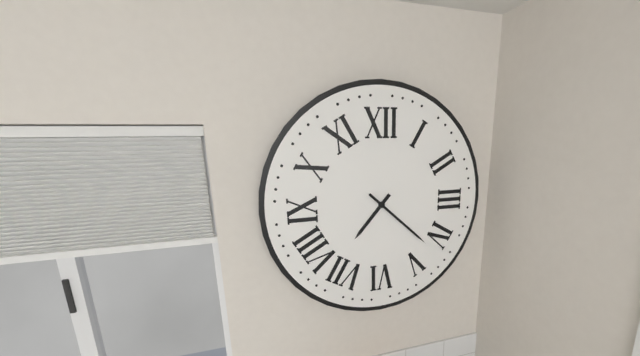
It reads {"hour": 7, "minute": 22}
